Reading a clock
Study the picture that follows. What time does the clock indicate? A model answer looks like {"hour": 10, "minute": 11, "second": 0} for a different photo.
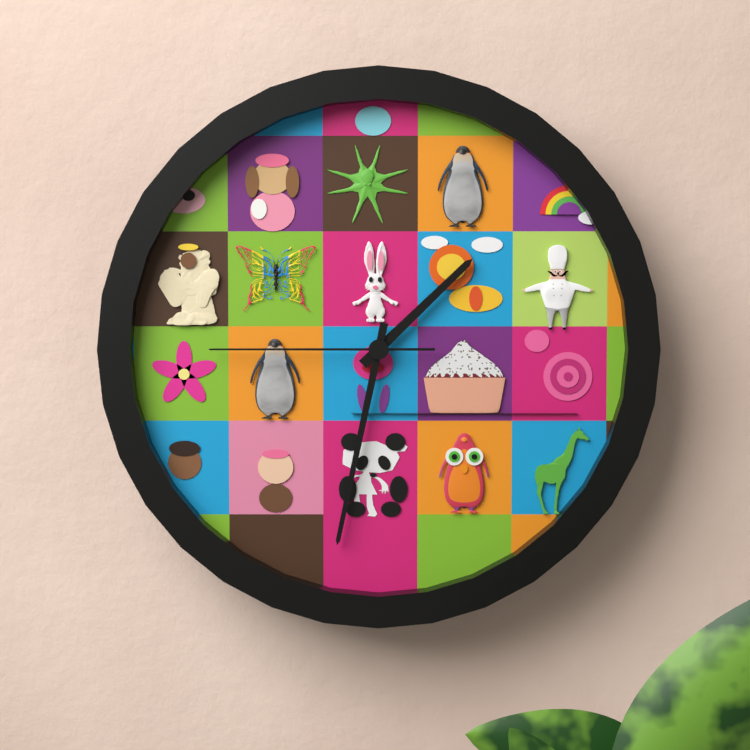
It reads {"hour": 1, "minute": 32, "second": 45}
